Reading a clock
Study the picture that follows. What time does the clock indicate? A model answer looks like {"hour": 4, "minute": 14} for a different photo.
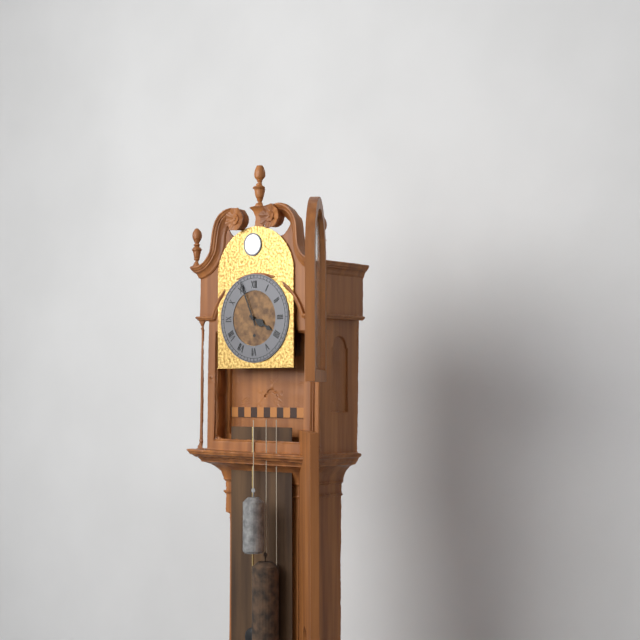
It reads {"hour": 3, "minute": 56}
